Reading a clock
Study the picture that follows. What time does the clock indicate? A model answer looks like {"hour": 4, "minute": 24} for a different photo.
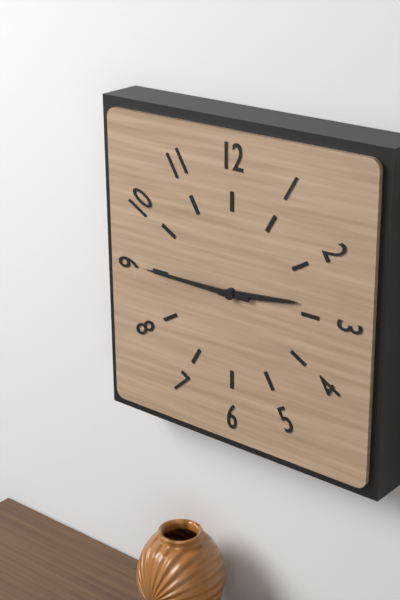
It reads {"hour": 2, "minute": 45}
